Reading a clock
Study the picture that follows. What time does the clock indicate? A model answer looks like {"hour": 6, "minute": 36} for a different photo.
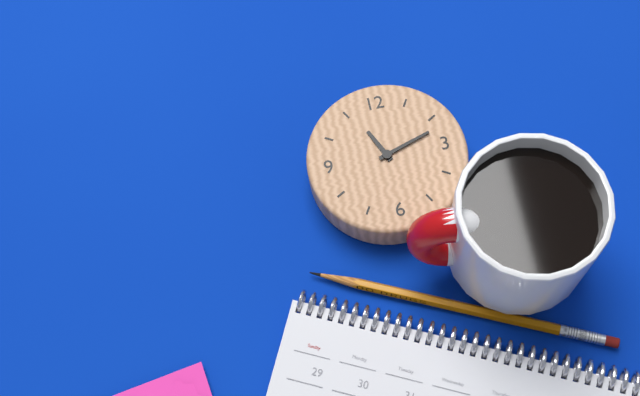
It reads {"hour": 11, "minute": 12}
